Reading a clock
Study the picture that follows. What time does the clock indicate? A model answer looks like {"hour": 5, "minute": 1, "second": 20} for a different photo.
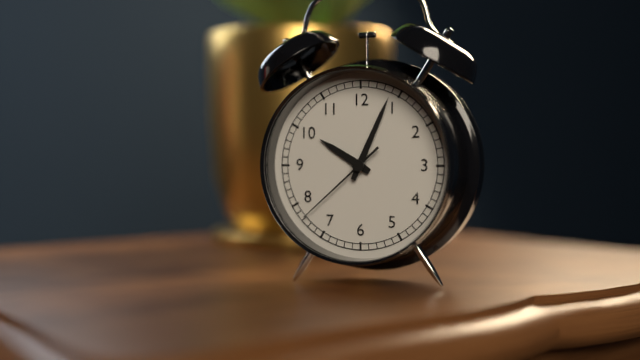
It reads {"hour": 10, "minute": 4, "second": 38}
